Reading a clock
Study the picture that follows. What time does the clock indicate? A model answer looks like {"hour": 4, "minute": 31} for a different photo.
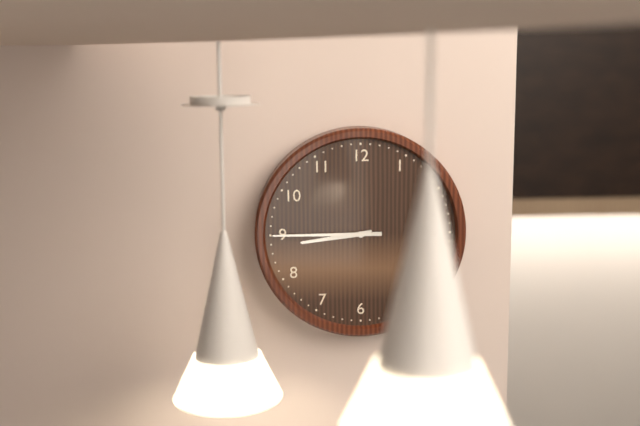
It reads {"hour": 8, "minute": 45}
